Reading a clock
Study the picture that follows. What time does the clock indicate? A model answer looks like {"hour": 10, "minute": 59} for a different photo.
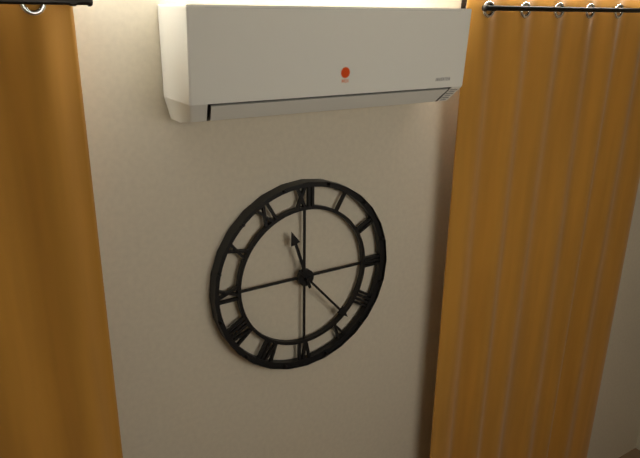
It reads {"hour": 11, "minute": 23}
